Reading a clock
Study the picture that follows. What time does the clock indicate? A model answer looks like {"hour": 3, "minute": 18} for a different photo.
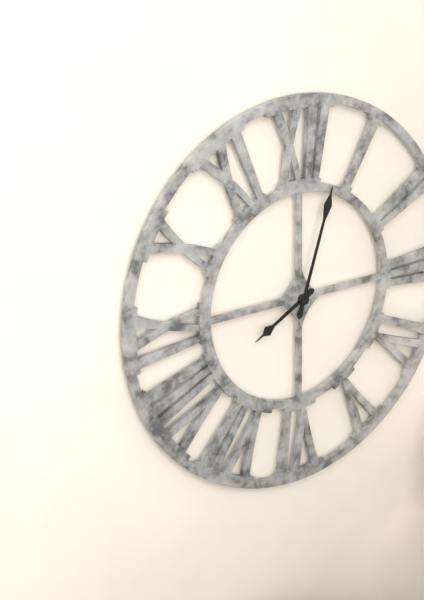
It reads {"hour": 8, "minute": 3}
